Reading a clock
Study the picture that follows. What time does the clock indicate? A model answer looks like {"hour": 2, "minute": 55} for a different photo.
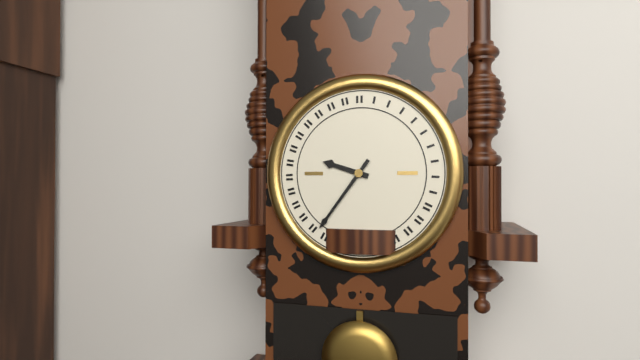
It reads {"hour": 9, "minute": 36}
